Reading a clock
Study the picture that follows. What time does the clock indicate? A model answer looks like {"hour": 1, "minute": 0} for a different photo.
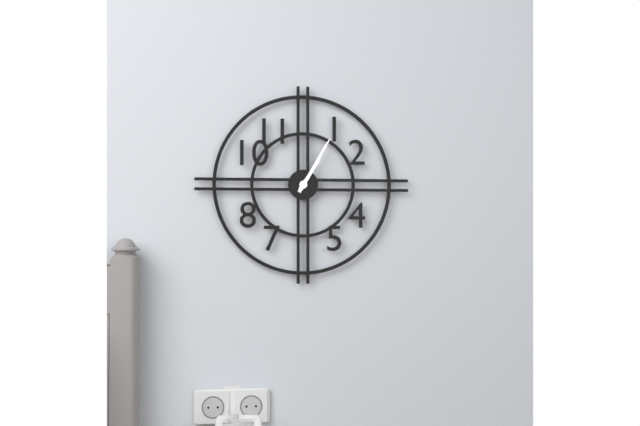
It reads {"hour": 1, "minute": 5}
